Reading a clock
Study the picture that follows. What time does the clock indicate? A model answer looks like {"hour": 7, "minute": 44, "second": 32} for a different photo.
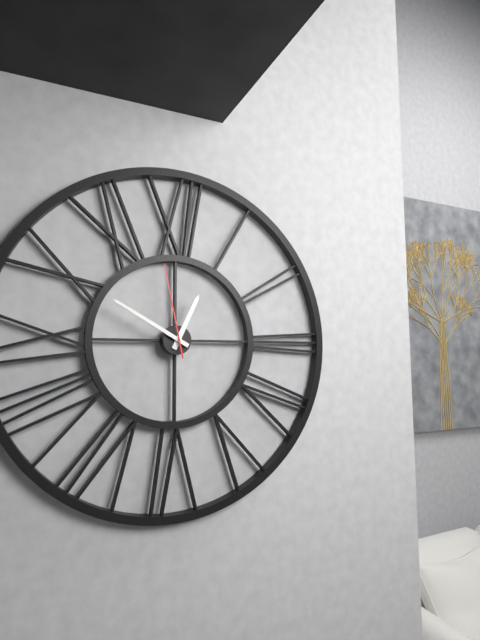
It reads {"hour": 12, "minute": 50, "second": 58}
